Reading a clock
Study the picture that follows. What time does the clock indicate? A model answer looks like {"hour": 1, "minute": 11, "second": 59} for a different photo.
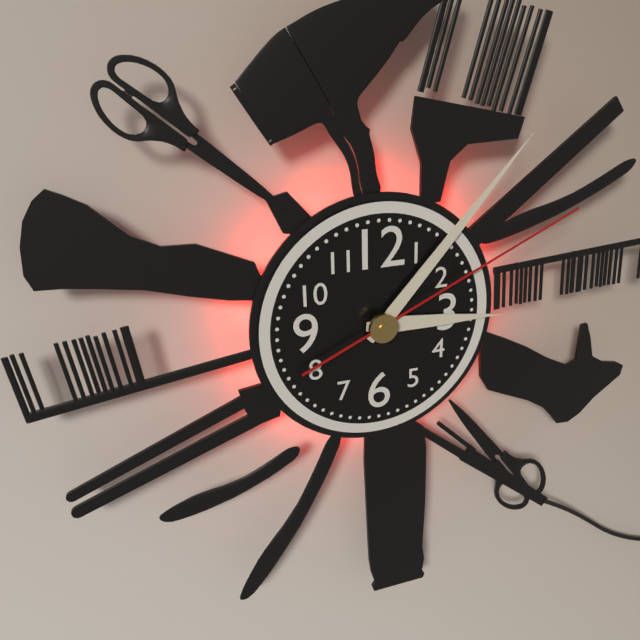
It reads {"hour": 3, "minute": 7, "second": 11}
